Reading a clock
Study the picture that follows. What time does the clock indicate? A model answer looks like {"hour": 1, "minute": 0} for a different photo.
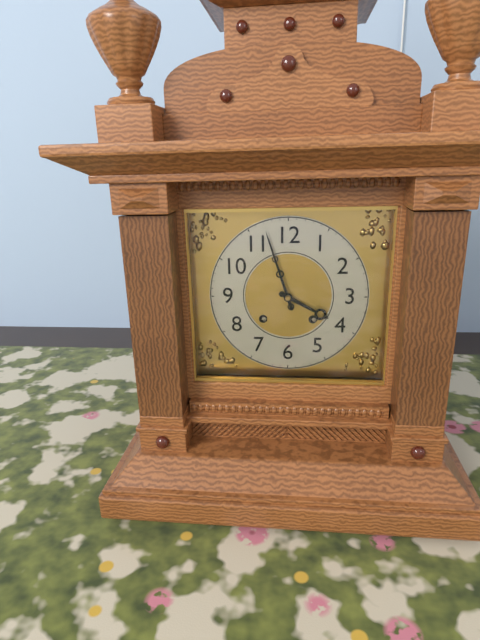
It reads {"hour": 3, "minute": 57}
